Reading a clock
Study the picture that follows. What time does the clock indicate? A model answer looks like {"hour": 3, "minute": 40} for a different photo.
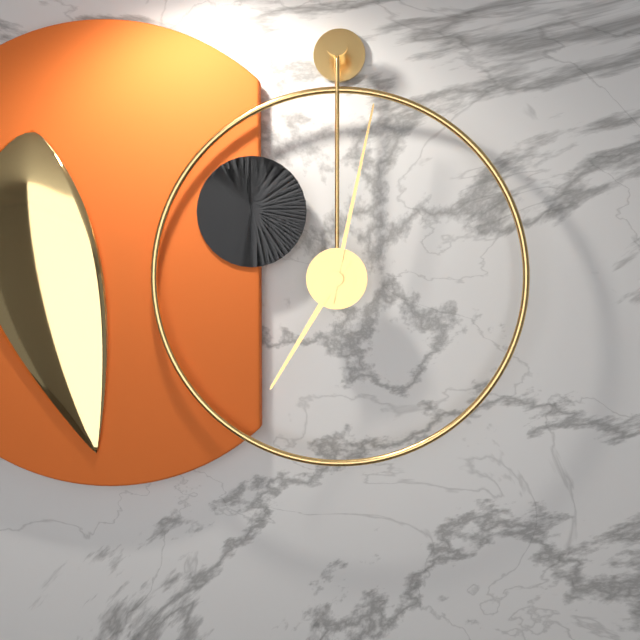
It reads {"hour": 7, "minute": 2}
